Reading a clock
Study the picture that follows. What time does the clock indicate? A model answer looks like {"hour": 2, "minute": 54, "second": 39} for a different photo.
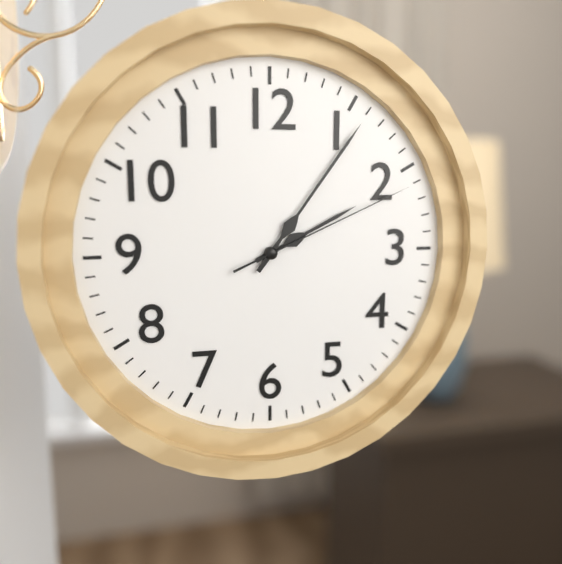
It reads {"hour": 2, "minute": 6, "second": 11}
